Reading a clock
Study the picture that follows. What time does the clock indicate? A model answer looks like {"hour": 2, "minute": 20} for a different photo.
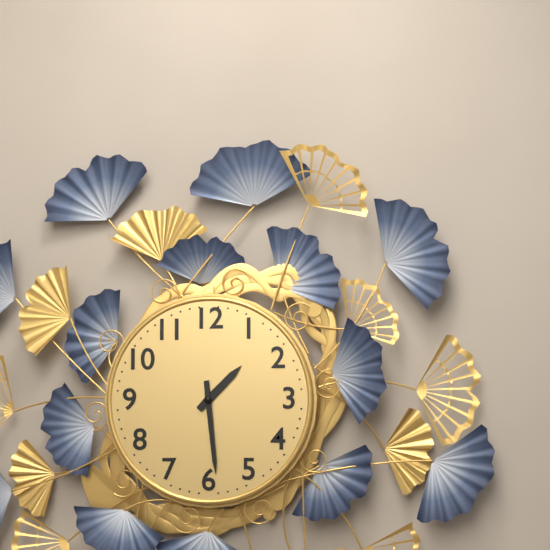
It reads {"hour": 1, "minute": 29}
